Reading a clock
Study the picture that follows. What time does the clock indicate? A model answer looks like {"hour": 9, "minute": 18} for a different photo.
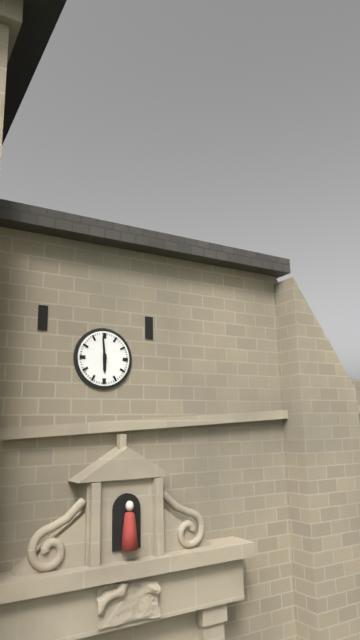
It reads {"hour": 5, "minute": 59}
